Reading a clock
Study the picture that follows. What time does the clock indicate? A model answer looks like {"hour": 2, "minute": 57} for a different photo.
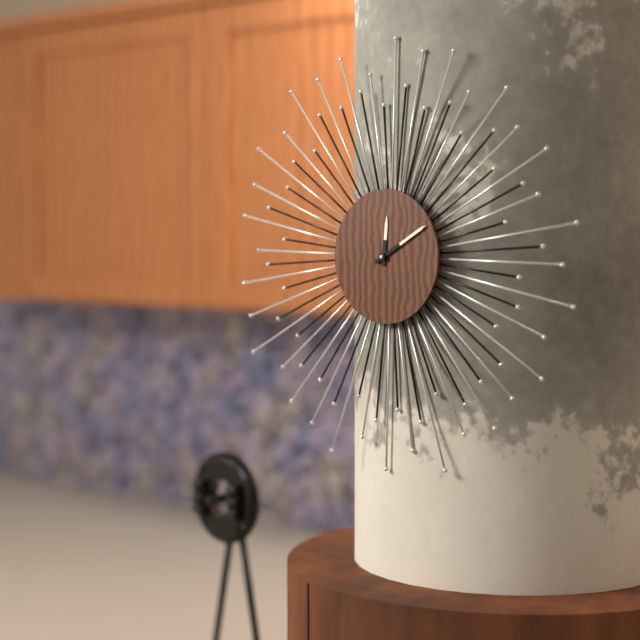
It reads {"hour": 12, "minute": 10}
